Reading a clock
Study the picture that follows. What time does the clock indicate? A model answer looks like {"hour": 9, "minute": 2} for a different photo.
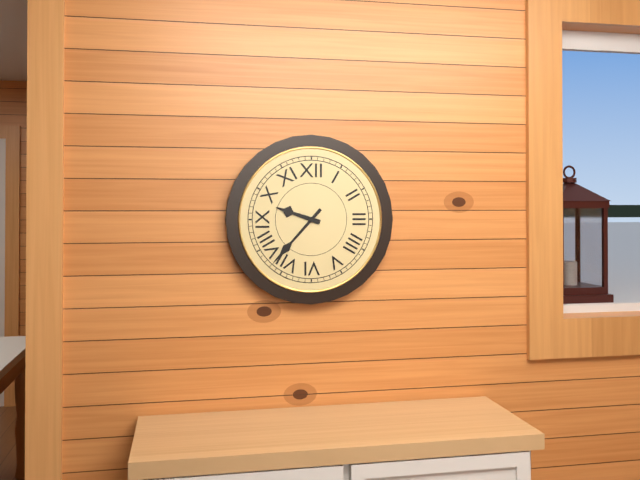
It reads {"hour": 9, "minute": 37}
